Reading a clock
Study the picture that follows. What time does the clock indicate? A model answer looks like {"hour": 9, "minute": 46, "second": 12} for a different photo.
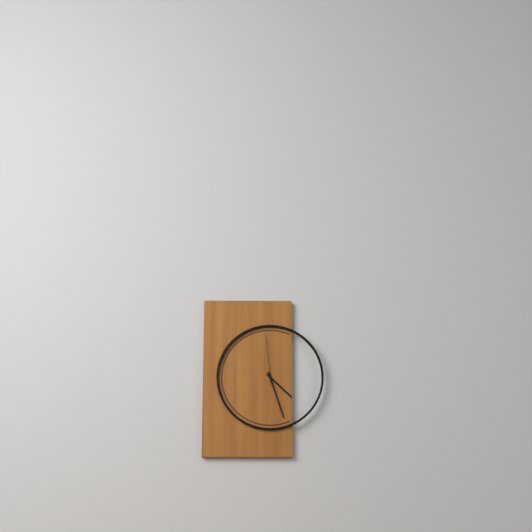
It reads {"hour": 4, "minute": 27, "second": 59}
